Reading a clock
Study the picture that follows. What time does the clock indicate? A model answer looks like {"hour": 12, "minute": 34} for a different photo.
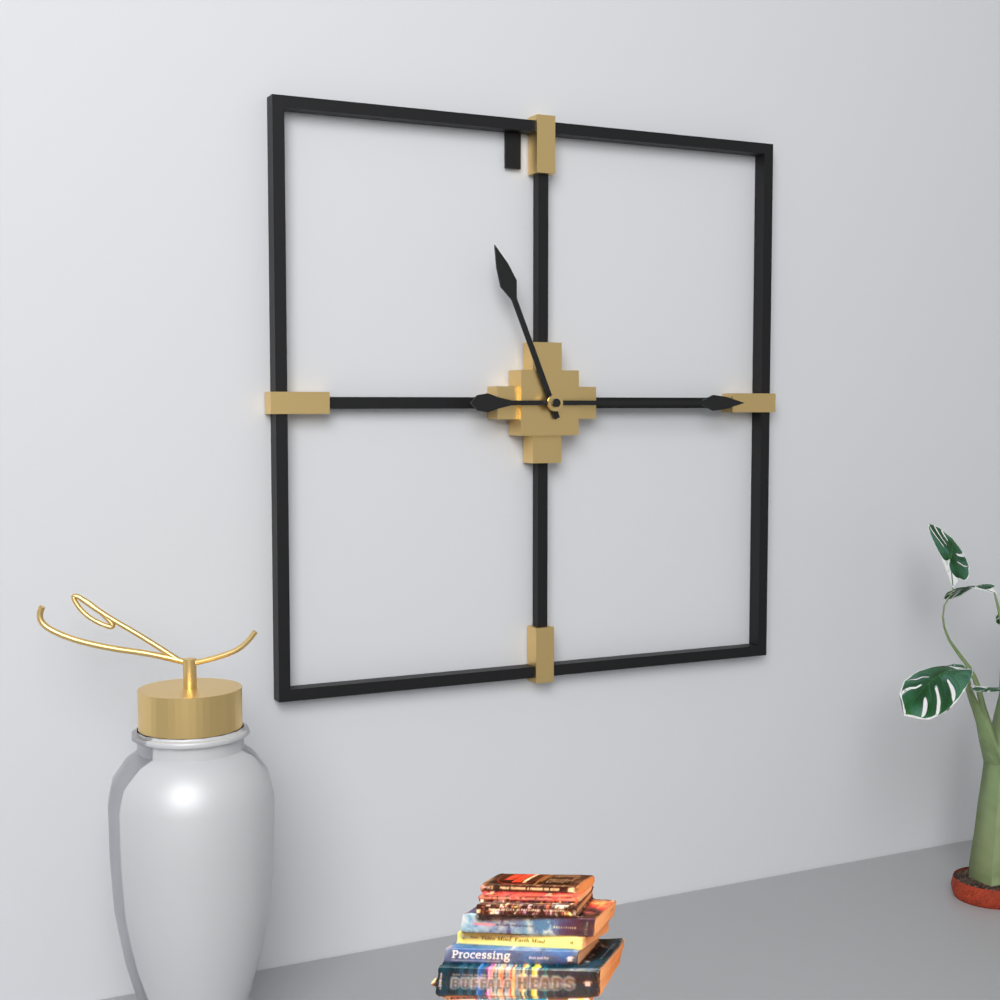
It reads {"hour": 11, "minute": 15}
